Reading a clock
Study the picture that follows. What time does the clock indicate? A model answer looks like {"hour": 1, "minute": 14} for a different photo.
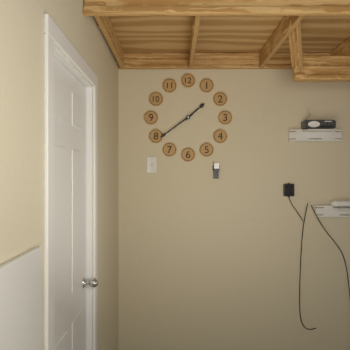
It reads {"hour": 1, "minute": 39}
